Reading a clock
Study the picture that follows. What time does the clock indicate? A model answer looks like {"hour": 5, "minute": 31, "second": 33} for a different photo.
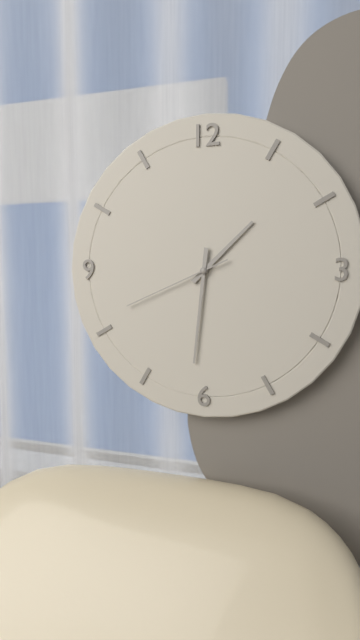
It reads {"hour": 1, "minute": 31, "second": 41}
